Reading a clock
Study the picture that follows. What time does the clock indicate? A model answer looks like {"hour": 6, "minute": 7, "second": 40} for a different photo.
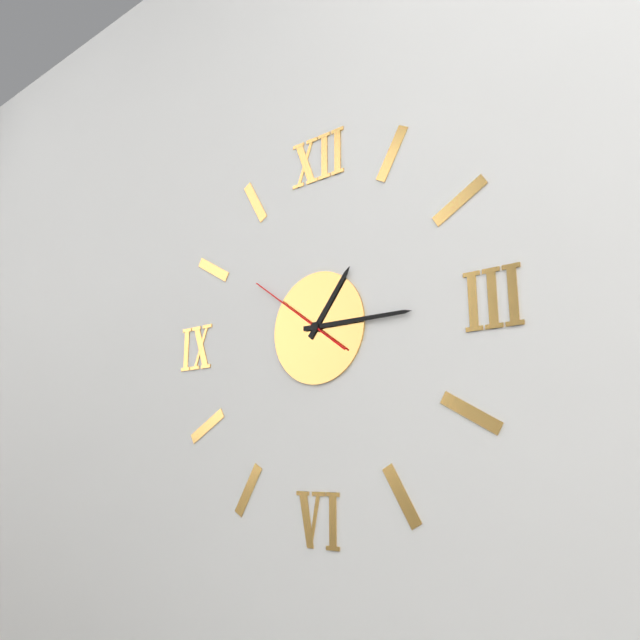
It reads {"hour": 1, "minute": 15, "second": 51}
